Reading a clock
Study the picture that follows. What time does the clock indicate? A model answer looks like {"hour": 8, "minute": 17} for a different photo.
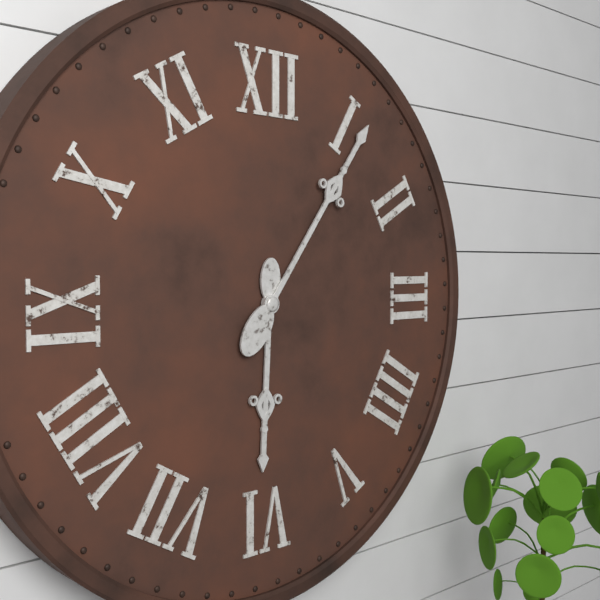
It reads {"hour": 6, "minute": 6}
